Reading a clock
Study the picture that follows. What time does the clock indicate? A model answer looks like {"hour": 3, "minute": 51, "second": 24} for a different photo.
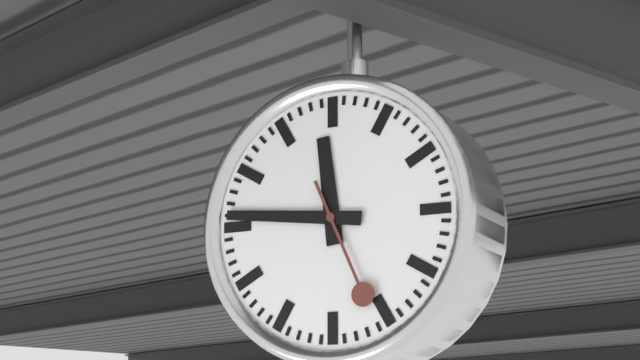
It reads {"hour": 11, "minute": 46, "second": 26}
